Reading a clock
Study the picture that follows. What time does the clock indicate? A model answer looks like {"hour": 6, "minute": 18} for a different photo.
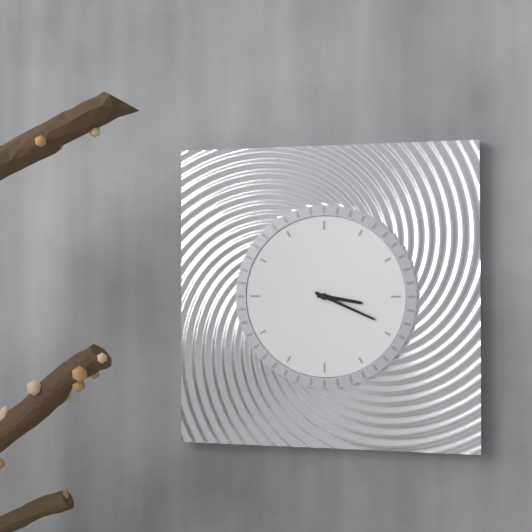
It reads {"hour": 3, "minute": 19}
